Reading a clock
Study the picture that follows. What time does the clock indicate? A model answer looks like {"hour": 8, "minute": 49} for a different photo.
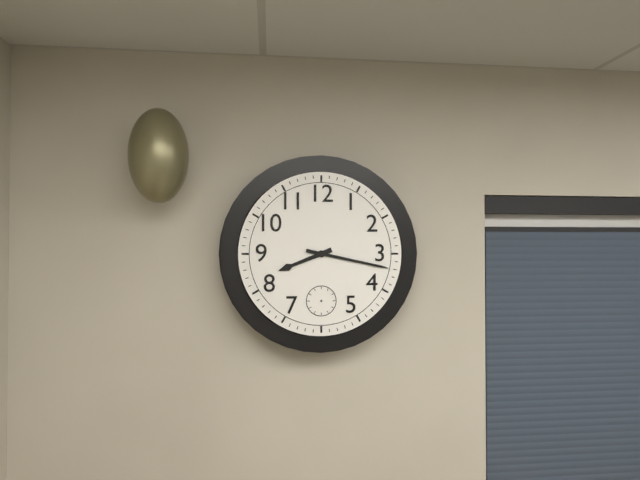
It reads {"hour": 8, "minute": 17}
